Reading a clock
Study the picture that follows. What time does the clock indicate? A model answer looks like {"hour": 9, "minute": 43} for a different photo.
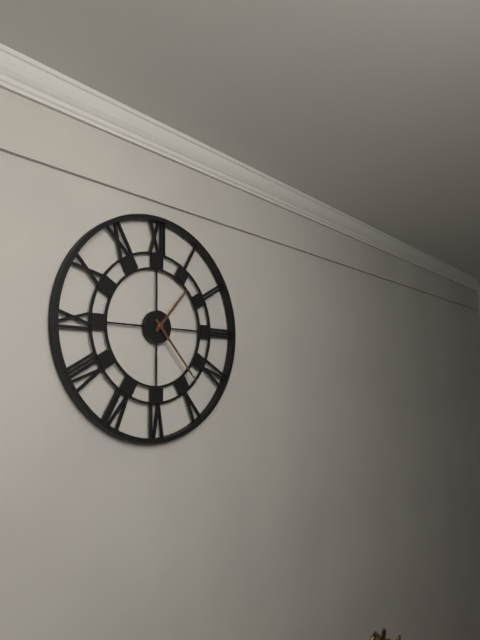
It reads {"hour": 1, "minute": 23}
